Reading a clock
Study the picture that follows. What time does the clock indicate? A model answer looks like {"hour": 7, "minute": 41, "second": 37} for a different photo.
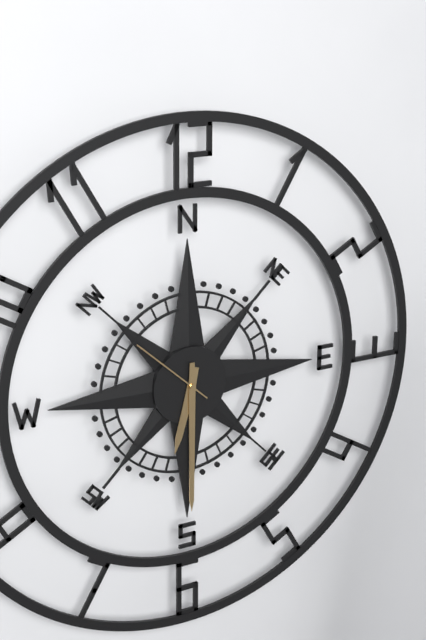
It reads {"hour": 6, "minute": 30, "second": 52}
